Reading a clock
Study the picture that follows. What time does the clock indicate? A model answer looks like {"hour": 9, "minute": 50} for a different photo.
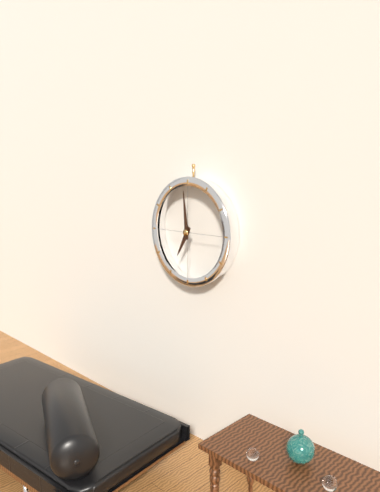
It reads {"hour": 6, "minute": 59}
